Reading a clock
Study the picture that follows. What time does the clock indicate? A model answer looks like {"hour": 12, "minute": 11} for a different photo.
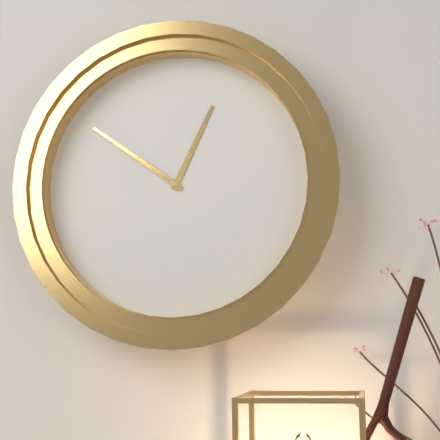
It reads {"hour": 12, "minute": 51}
